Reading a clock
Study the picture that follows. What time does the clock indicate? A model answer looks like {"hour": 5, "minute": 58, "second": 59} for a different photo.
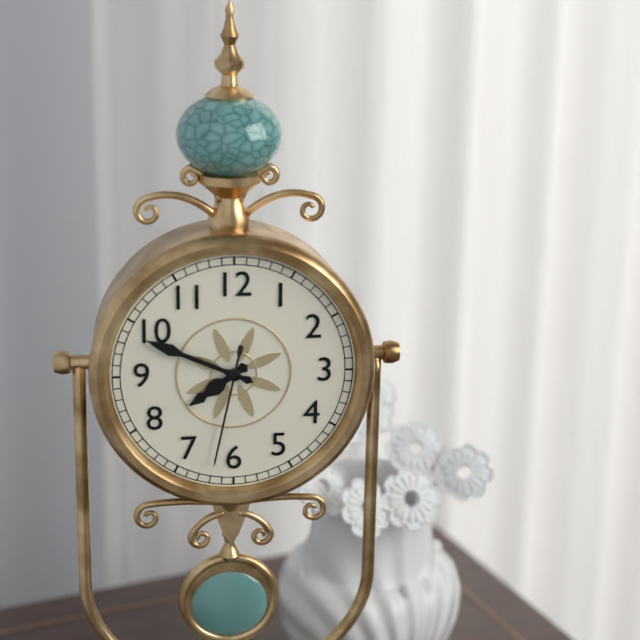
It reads {"hour": 7, "minute": 49, "second": 32}
